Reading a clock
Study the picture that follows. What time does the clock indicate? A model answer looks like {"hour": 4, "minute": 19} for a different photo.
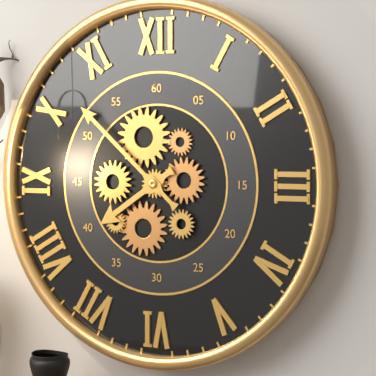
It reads {"hour": 7, "minute": 52}
